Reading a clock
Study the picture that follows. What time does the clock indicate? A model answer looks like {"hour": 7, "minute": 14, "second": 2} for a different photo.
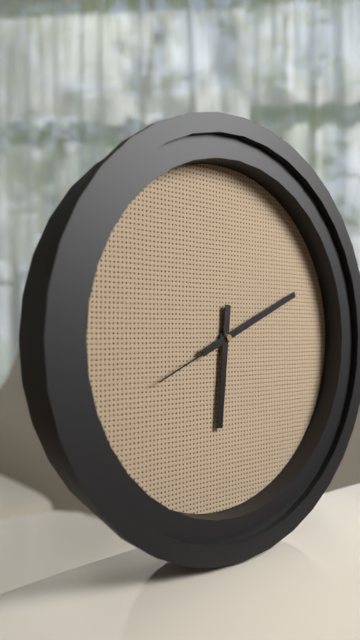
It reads {"hour": 6, "minute": 11, "second": 41}
